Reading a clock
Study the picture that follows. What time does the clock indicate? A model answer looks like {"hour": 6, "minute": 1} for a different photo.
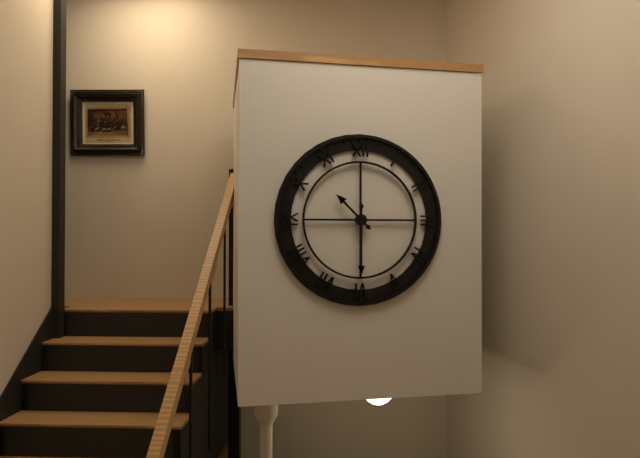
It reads {"hour": 10, "minute": 30}
